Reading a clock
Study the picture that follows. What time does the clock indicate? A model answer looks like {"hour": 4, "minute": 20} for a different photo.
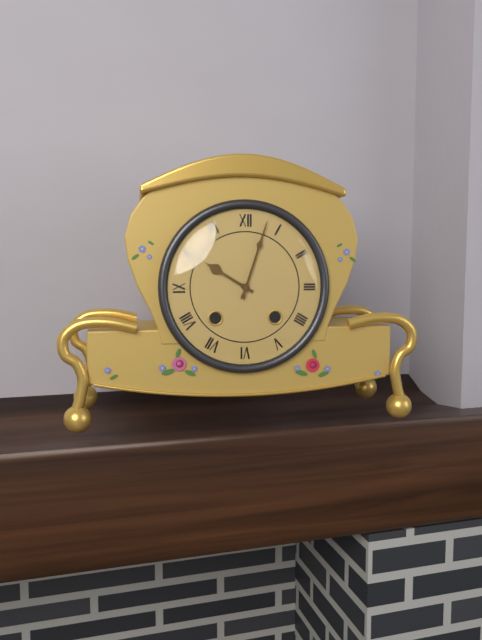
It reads {"hour": 10, "minute": 3}
